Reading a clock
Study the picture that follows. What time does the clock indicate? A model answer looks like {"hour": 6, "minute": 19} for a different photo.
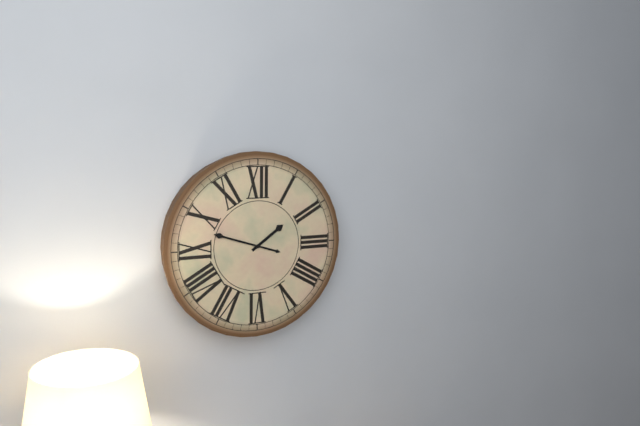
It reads {"hour": 1, "minute": 48}
